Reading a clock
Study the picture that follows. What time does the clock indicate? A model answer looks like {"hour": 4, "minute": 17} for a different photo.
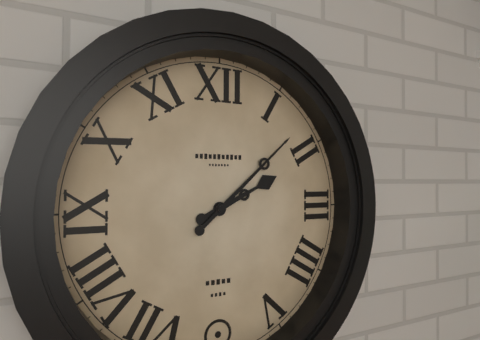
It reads {"hour": 2, "minute": 8}
